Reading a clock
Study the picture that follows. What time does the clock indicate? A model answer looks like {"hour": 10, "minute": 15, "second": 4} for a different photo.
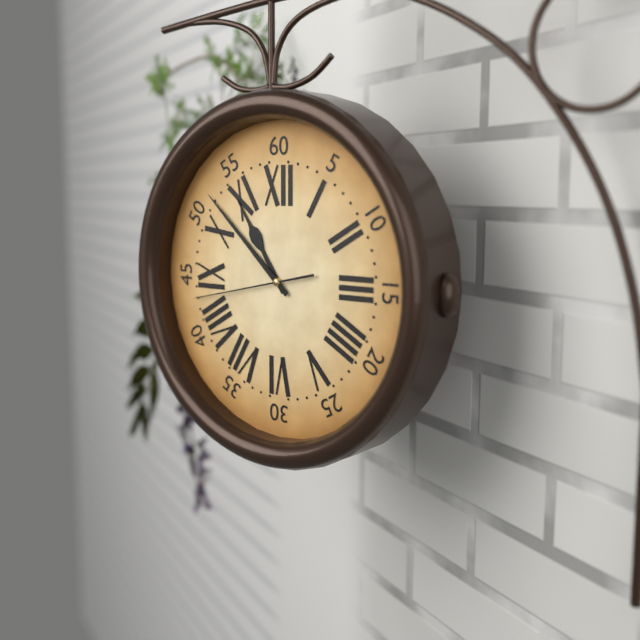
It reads {"hour": 10, "minute": 52, "second": 43}
